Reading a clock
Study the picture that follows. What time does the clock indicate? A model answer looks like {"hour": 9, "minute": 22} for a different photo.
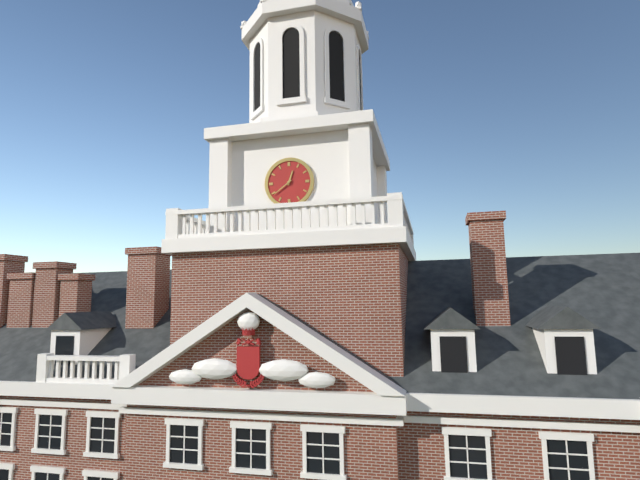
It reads {"hour": 12, "minute": 39}
